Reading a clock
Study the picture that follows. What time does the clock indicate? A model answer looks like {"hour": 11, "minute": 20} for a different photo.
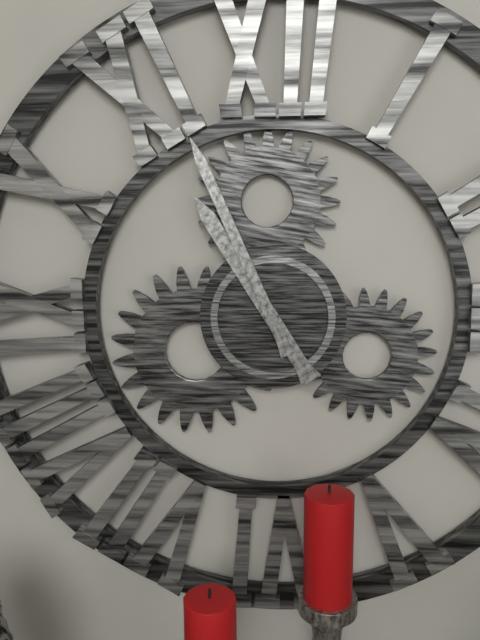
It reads {"hour": 10, "minute": 56}
